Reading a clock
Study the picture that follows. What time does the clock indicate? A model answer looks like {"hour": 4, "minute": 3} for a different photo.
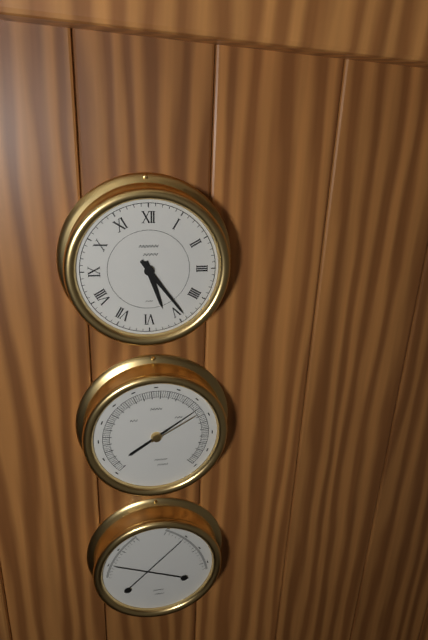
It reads {"hour": 5, "minute": 24}
